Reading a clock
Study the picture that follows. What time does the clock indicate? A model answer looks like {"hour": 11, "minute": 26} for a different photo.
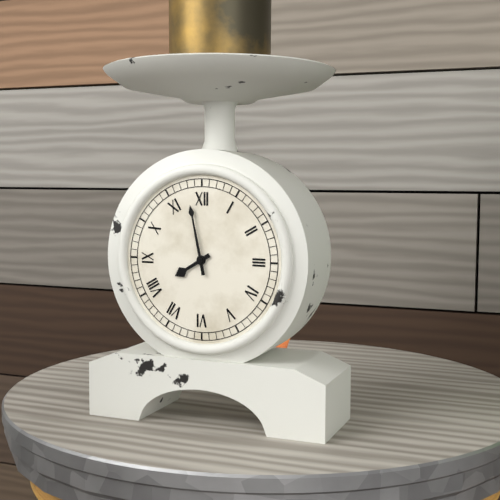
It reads {"hour": 7, "minute": 58}
